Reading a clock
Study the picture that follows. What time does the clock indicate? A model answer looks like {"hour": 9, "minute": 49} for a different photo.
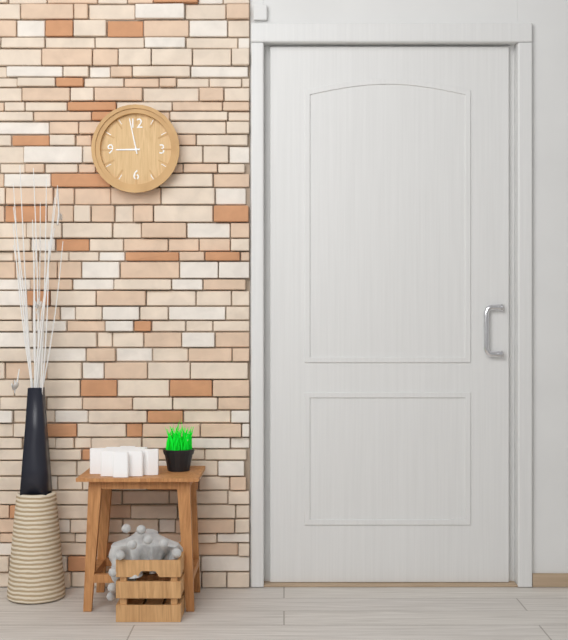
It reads {"hour": 8, "minute": 58}
